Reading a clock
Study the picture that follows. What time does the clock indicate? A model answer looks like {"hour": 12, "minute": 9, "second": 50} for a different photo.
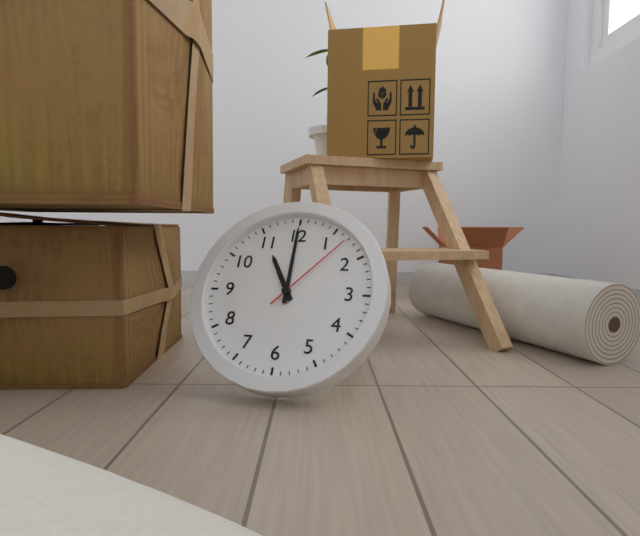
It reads {"hour": 11, "minute": 0, "second": 7}
